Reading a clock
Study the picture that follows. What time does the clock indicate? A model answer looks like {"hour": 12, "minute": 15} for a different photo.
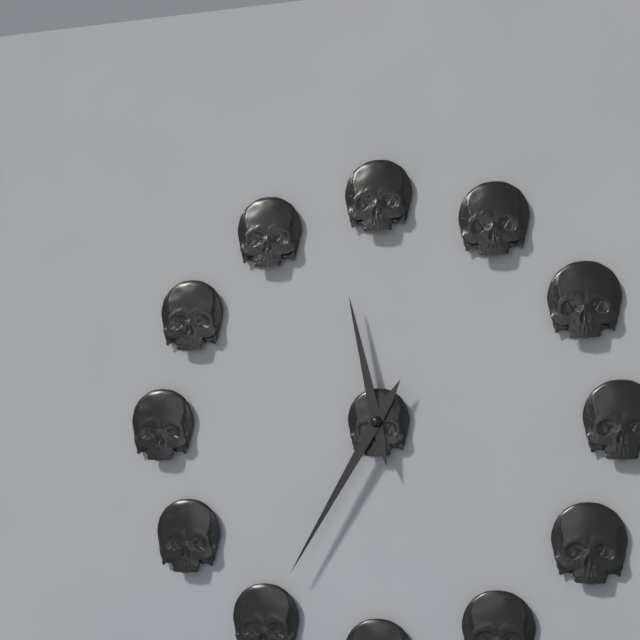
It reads {"hour": 11, "minute": 35}
